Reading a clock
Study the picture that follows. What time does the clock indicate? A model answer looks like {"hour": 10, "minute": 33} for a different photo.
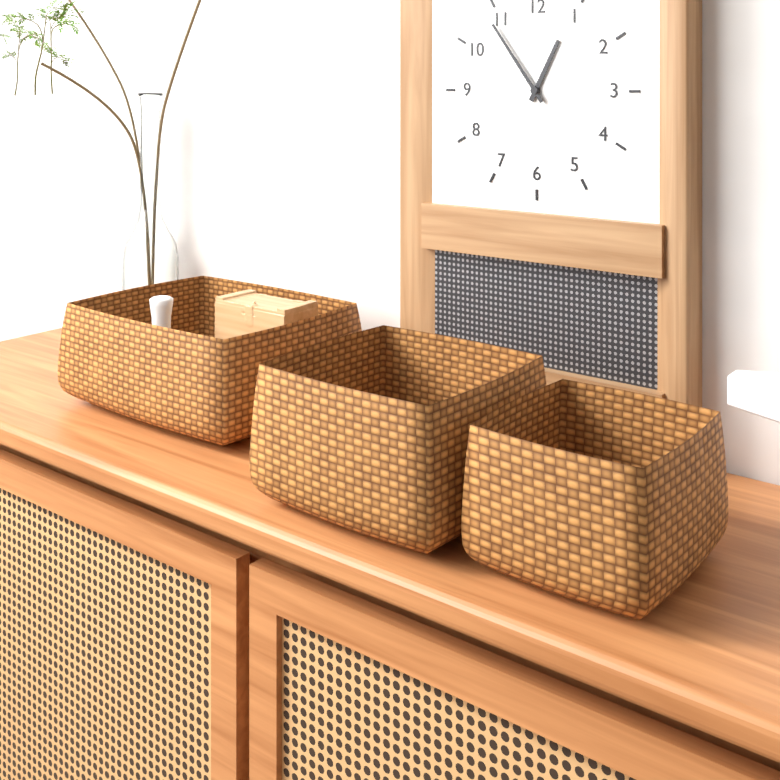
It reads {"hour": 12, "minute": 54}
